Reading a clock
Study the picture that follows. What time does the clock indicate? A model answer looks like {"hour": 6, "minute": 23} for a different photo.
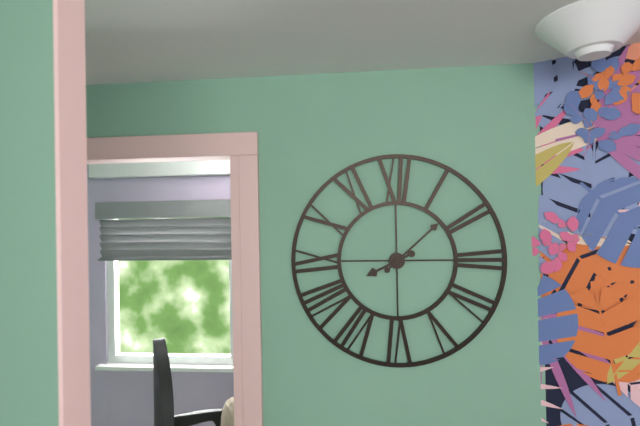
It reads {"hour": 8, "minute": 8}
